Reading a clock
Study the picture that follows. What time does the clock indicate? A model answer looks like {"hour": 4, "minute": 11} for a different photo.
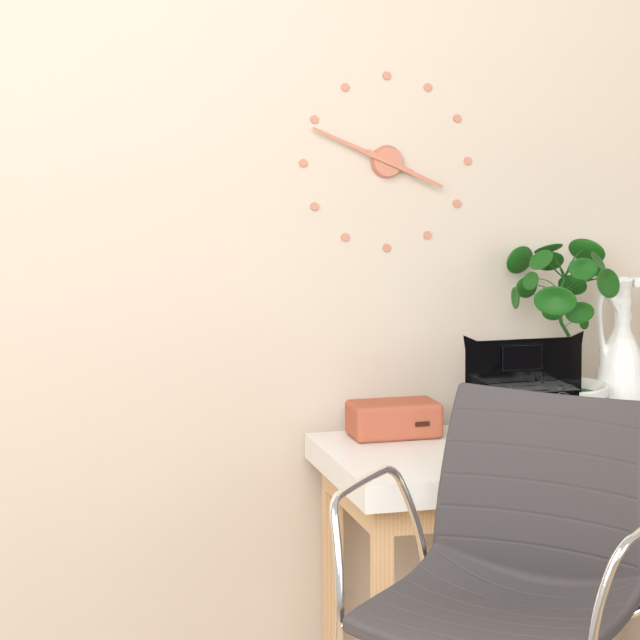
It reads {"hour": 3, "minute": 49}
